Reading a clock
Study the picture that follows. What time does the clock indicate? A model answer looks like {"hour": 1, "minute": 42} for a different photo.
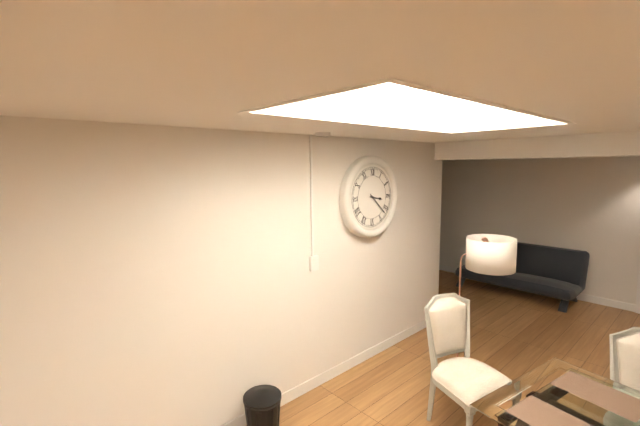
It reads {"hour": 3, "minute": 22}
